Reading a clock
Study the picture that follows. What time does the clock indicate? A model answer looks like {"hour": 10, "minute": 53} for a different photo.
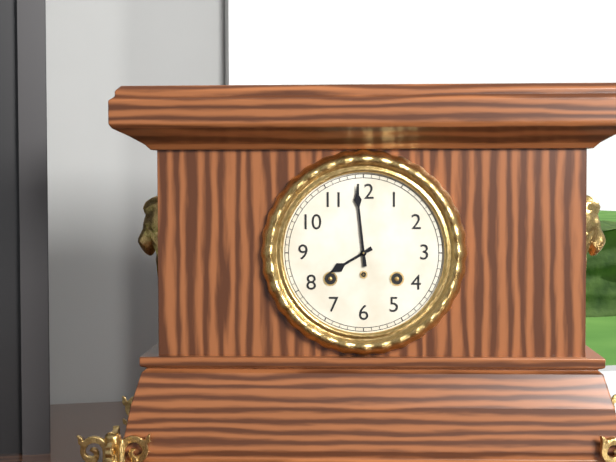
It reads {"hour": 7, "minute": 59}
